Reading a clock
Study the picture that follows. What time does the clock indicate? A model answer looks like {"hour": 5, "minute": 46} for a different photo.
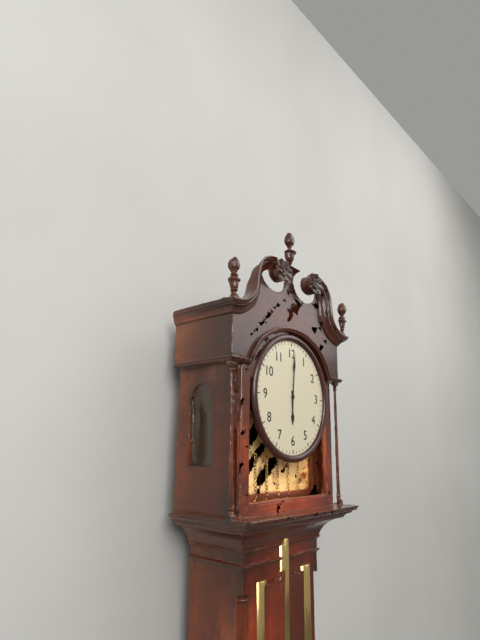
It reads {"hour": 6, "minute": 1}
